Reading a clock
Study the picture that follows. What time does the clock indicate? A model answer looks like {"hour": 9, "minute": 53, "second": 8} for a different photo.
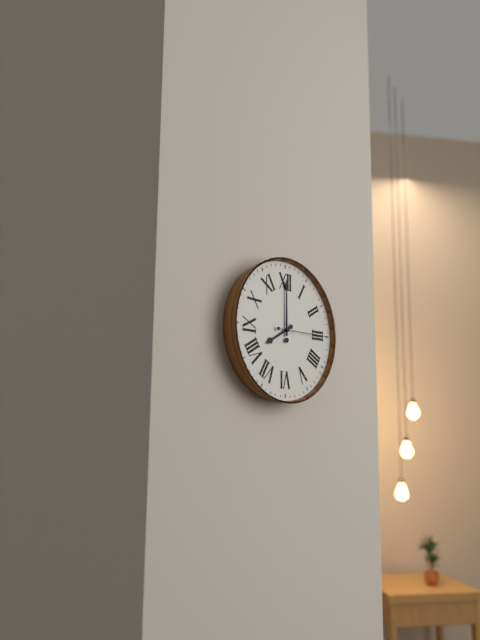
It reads {"hour": 8, "minute": 0, "second": 15}
